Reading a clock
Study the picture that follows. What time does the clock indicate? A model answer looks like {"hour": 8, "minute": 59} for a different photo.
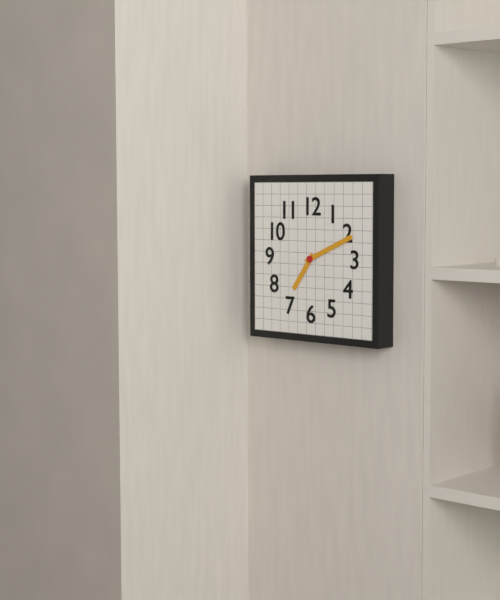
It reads {"hour": 7, "minute": 11}
